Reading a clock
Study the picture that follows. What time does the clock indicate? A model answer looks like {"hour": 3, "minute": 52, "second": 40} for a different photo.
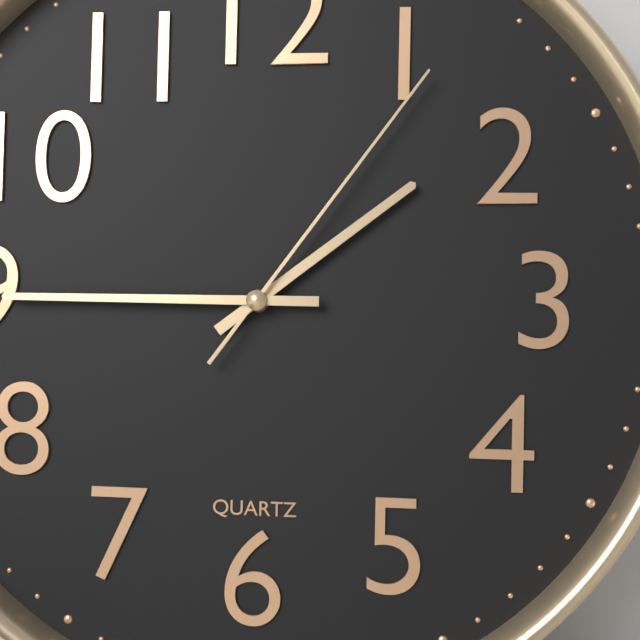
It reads {"hour": 1, "minute": 45, "second": 6}
